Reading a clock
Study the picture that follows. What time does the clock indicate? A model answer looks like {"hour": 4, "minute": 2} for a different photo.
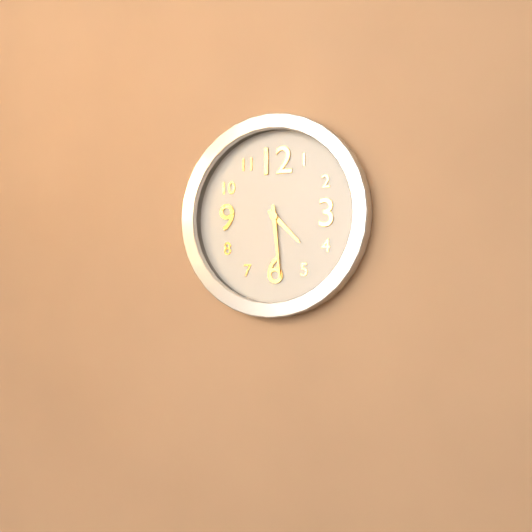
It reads {"hour": 4, "minute": 29}
